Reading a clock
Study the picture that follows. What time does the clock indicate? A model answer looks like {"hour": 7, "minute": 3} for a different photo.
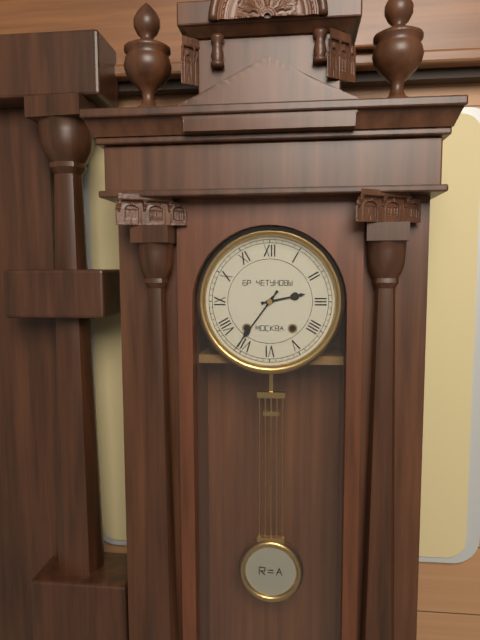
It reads {"hour": 2, "minute": 36}
